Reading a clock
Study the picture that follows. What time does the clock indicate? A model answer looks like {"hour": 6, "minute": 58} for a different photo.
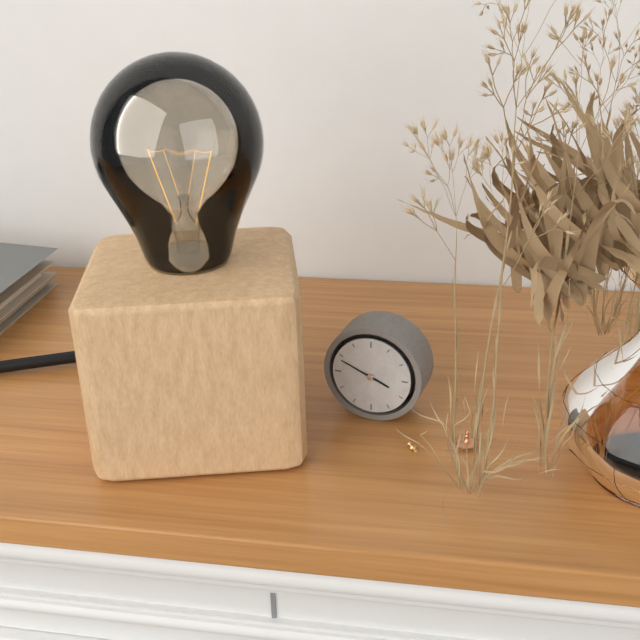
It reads {"hour": 3, "minute": 49}
